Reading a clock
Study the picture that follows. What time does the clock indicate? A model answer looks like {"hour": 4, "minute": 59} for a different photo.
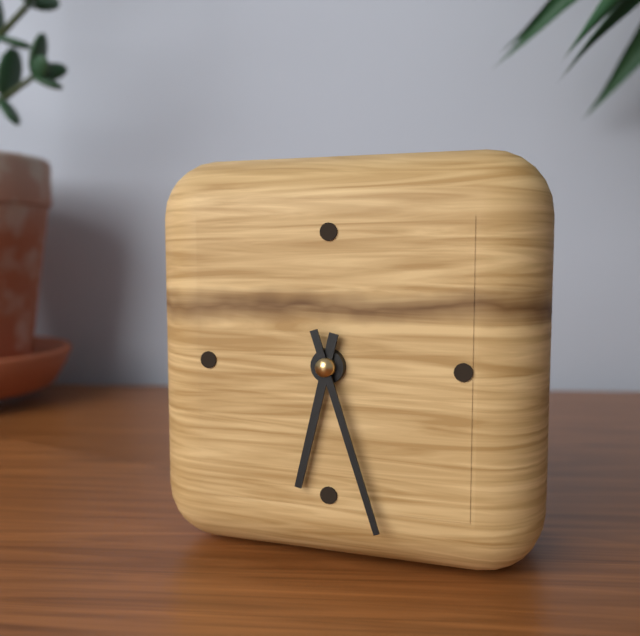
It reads {"hour": 6, "minute": 27}
